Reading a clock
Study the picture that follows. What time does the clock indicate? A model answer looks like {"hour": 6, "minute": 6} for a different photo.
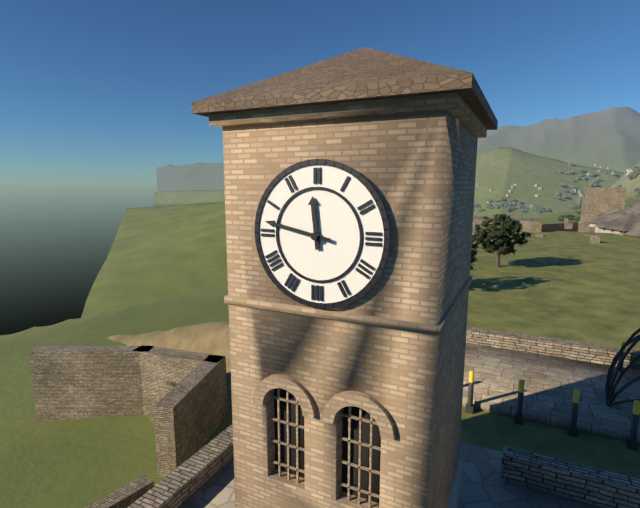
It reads {"hour": 11, "minute": 47}
